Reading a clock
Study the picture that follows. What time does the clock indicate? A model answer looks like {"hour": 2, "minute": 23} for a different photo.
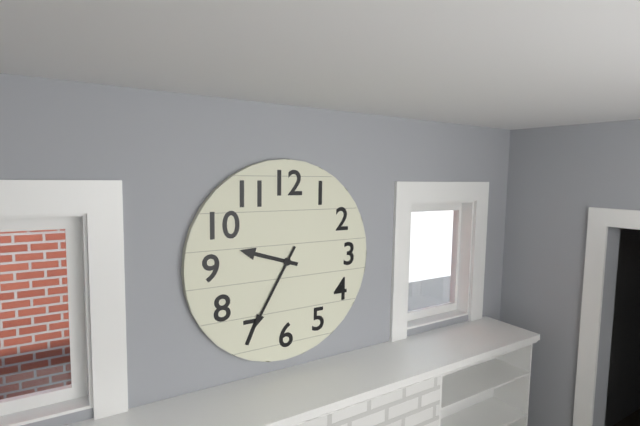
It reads {"hour": 9, "minute": 35}
